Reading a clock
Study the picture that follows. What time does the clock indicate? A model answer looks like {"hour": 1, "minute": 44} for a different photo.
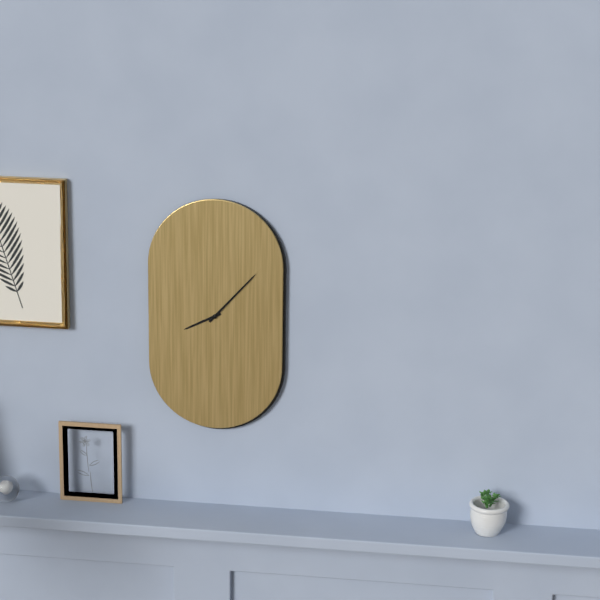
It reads {"hour": 8, "minute": 7}
